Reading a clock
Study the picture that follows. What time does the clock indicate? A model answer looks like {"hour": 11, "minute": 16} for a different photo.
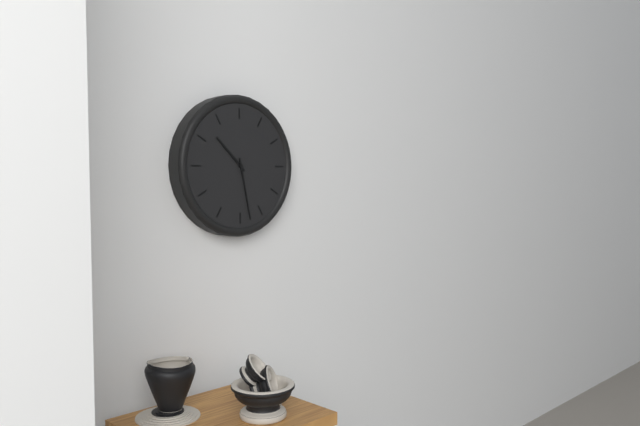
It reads {"hour": 10, "minute": 28}
